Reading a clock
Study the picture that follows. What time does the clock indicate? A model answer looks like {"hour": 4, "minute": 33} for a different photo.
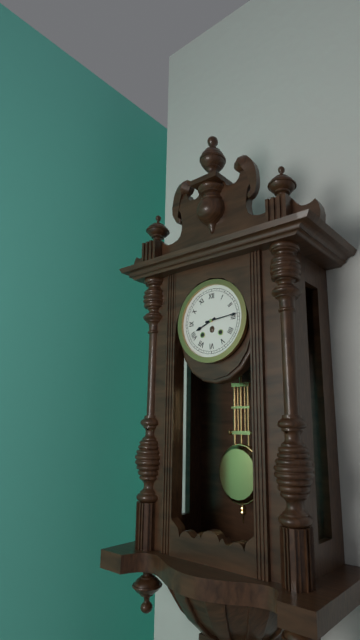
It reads {"hour": 8, "minute": 14}
